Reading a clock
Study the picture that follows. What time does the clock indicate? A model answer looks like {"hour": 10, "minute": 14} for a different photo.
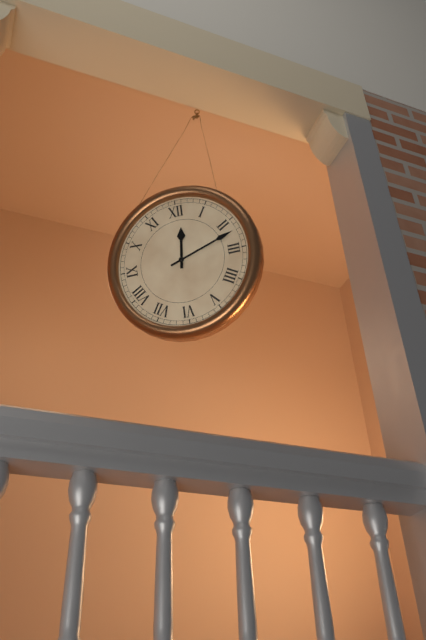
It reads {"hour": 12, "minute": 12}
